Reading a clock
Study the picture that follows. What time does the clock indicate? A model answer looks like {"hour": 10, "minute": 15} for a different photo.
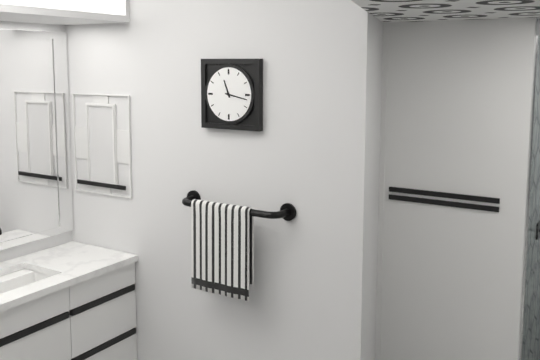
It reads {"hour": 11, "minute": 17}
